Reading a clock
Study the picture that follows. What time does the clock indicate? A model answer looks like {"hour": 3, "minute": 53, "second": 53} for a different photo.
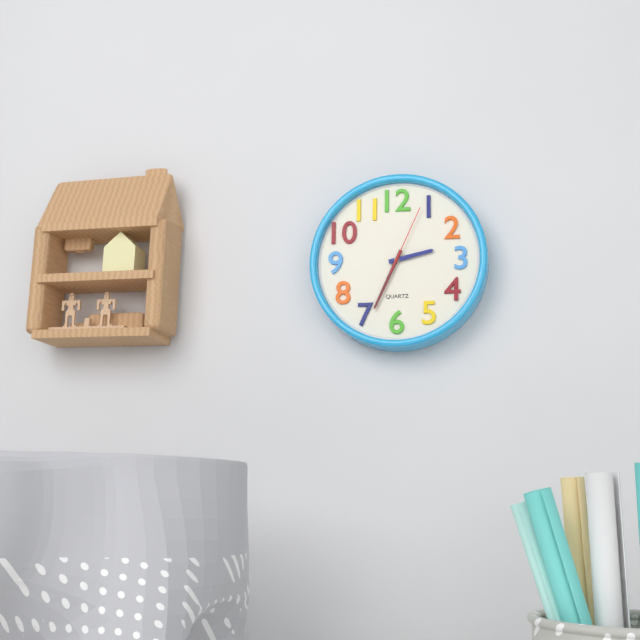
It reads {"hour": 2, "minute": 34, "second": 4}
